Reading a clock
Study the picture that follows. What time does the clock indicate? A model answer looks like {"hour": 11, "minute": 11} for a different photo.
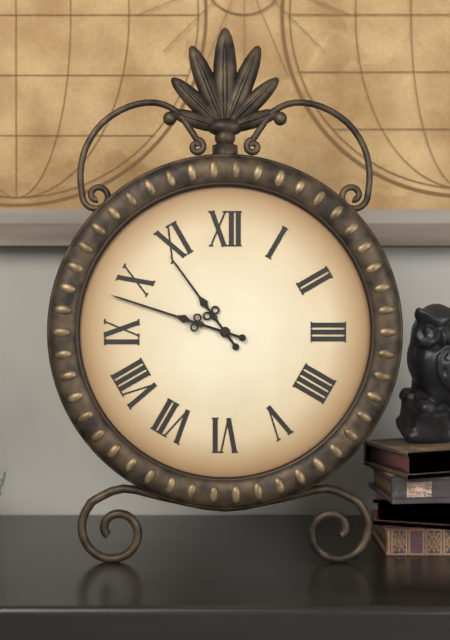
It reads {"hour": 10, "minute": 48}
